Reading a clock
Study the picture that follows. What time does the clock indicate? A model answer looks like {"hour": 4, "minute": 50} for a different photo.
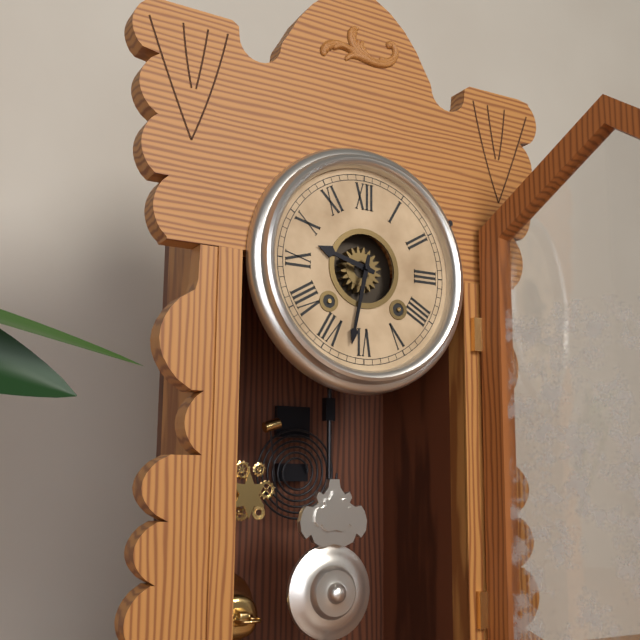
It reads {"hour": 9, "minute": 32}
